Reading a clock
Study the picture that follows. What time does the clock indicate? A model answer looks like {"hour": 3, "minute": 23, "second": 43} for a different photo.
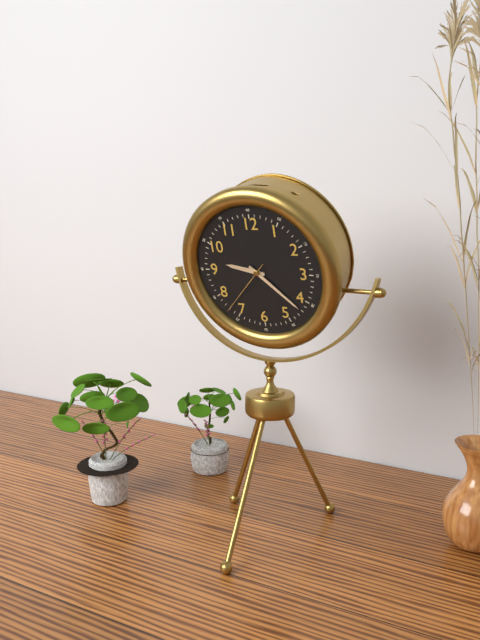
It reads {"hour": 9, "minute": 22, "second": 37}
